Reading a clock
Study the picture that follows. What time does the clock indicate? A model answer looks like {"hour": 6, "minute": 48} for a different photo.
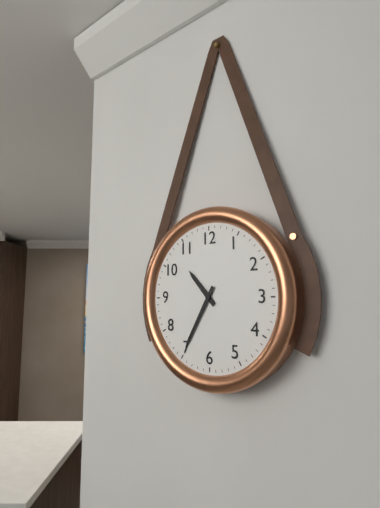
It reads {"hour": 10, "minute": 35}
